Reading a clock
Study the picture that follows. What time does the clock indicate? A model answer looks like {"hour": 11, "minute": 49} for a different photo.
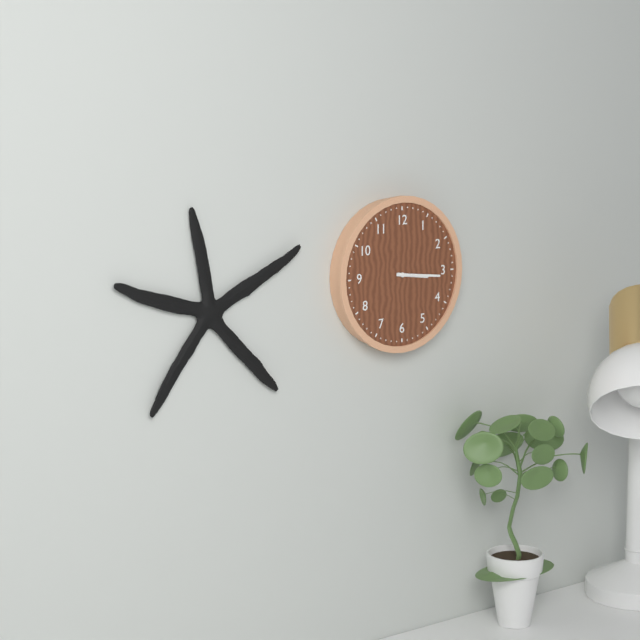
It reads {"hour": 3, "minute": 16}
